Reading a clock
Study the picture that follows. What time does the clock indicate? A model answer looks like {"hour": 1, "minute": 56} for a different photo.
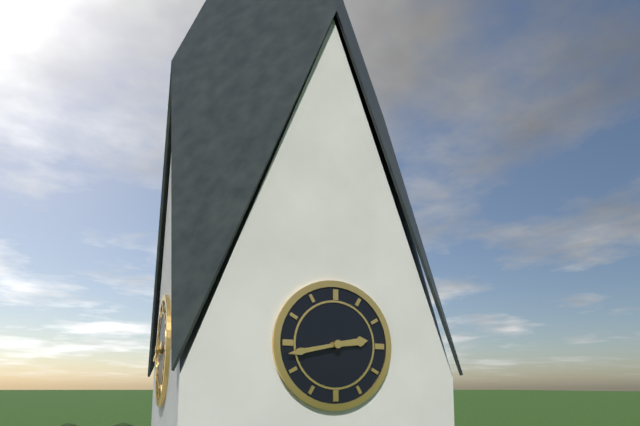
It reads {"hour": 2, "minute": 43}
